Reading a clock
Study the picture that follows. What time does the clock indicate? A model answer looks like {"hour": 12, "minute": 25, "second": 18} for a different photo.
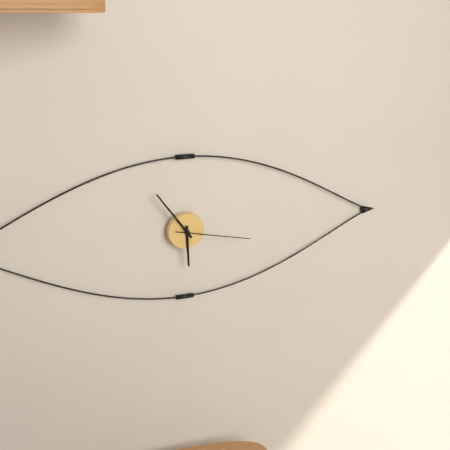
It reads {"hour": 5, "minute": 54, "second": 17}
